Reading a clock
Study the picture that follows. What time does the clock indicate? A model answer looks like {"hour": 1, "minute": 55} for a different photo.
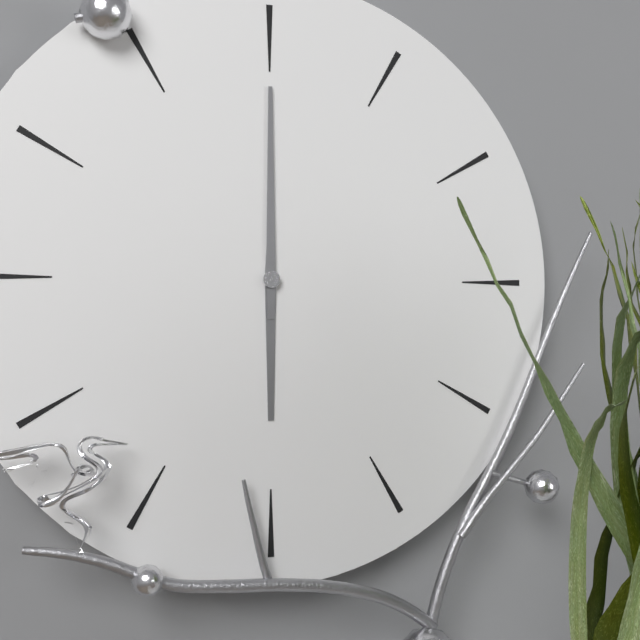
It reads {"hour": 6, "minute": 0}
